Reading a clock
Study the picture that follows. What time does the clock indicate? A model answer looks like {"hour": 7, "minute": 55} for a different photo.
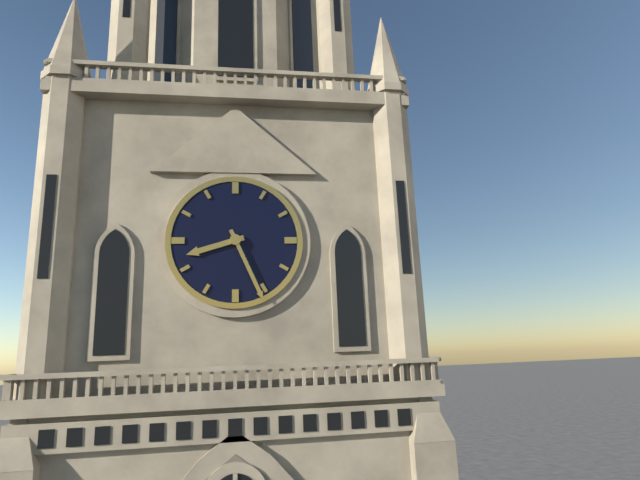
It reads {"hour": 8, "minute": 26}
